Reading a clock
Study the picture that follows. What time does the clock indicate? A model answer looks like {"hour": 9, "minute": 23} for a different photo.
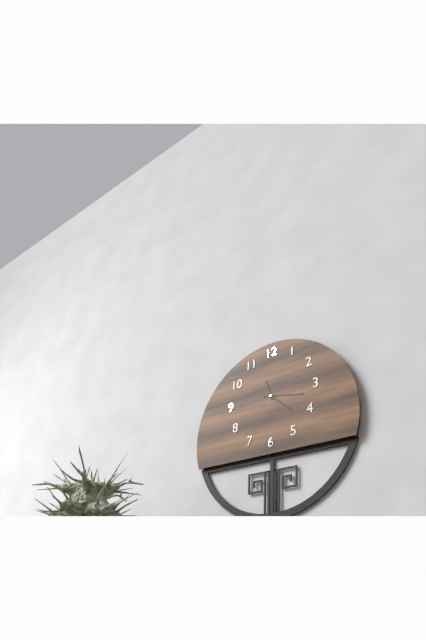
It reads {"hour": 11, "minute": 22}
